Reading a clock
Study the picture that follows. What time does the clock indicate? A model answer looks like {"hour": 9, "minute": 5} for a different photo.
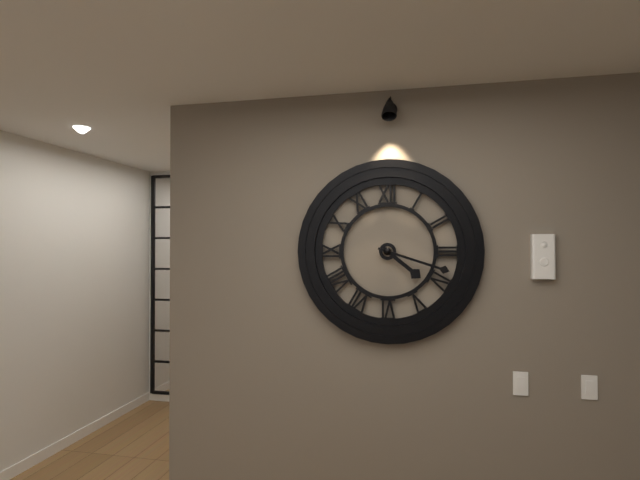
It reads {"hour": 4, "minute": 18}
